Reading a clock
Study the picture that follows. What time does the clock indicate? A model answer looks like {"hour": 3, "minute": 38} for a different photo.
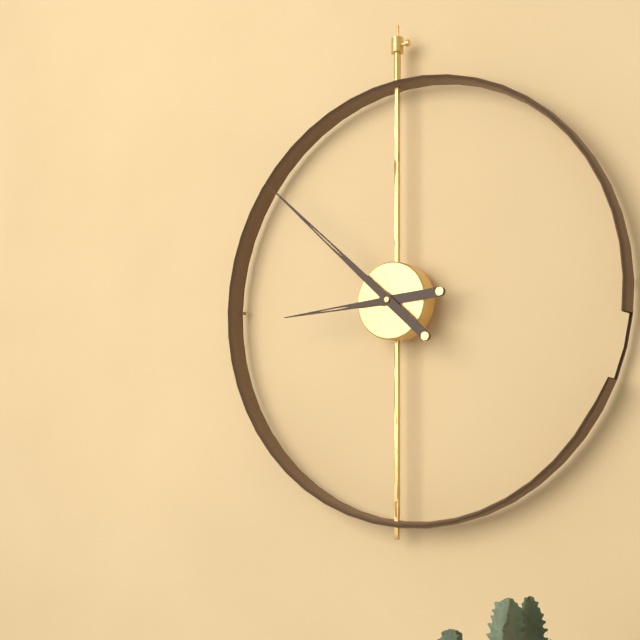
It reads {"hour": 8, "minute": 52}
